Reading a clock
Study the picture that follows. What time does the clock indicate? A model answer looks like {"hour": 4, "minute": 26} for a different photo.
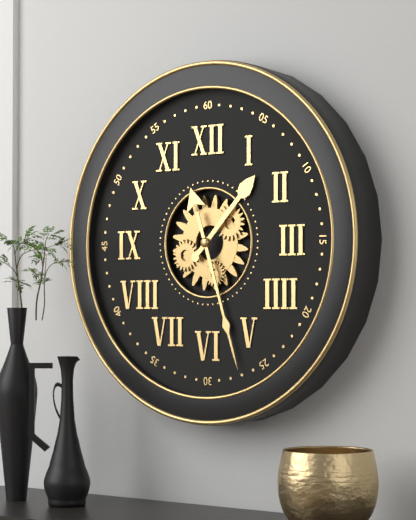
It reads {"hour": 1, "minute": 27}
